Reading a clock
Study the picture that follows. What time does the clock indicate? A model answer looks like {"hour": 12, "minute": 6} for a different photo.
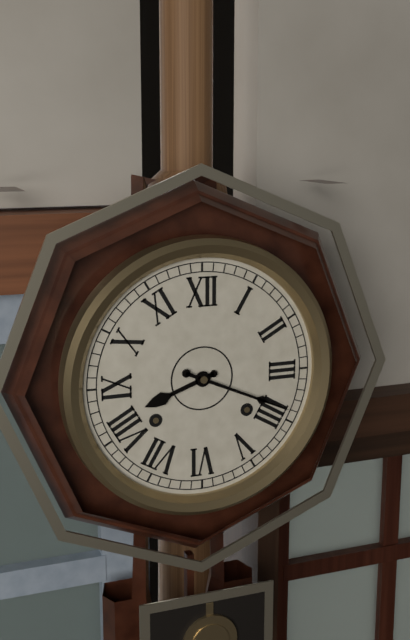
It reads {"hour": 8, "minute": 19}
